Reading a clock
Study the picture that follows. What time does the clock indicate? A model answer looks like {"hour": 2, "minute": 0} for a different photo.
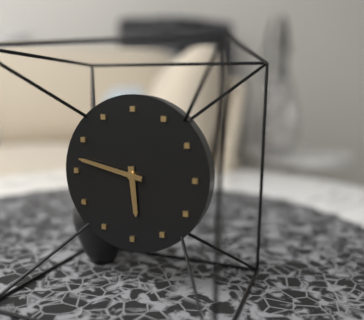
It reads {"hour": 5, "minute": 47}
